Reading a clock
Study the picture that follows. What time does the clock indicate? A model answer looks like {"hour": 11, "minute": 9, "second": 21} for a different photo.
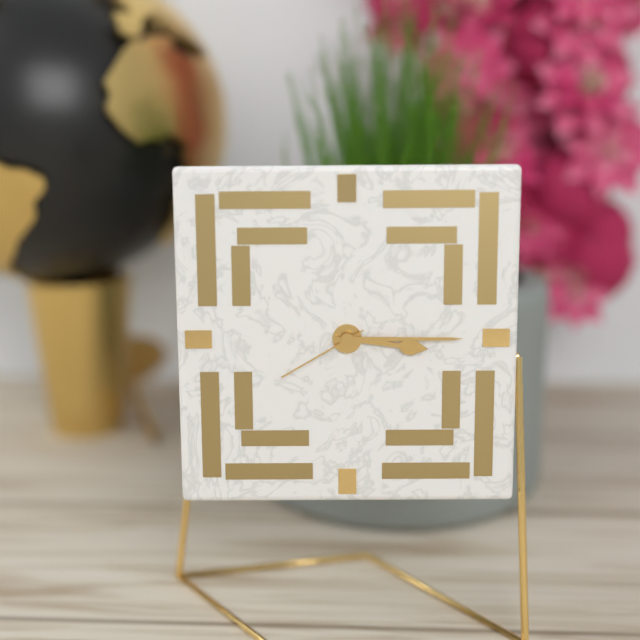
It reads {"hour": 3, "minute": 15, "second": 40}
